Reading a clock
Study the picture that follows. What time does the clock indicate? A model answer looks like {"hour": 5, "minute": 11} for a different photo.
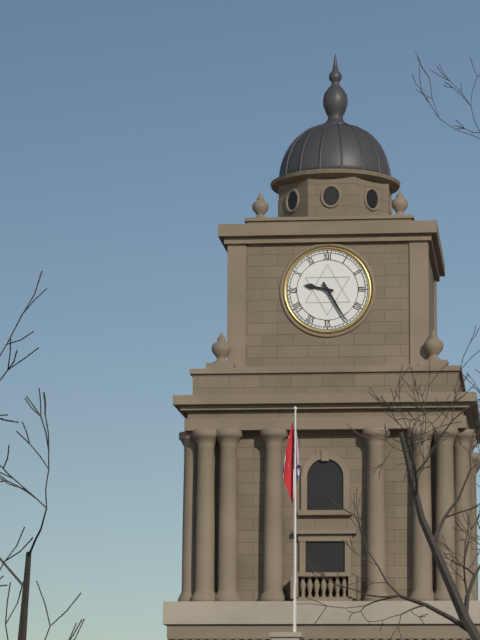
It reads {"hour": 9, "minute": 25}
